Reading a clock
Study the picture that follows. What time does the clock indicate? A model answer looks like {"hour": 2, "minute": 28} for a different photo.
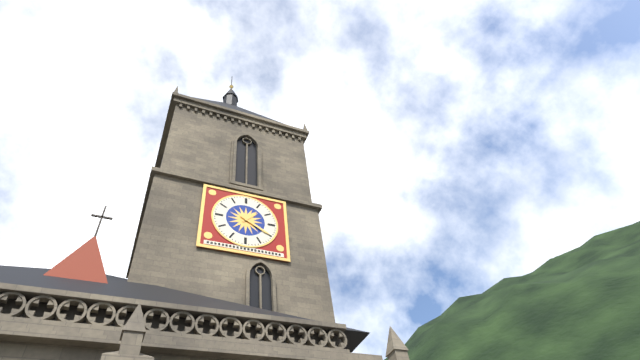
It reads {"hour": 1, "minute": 20}
